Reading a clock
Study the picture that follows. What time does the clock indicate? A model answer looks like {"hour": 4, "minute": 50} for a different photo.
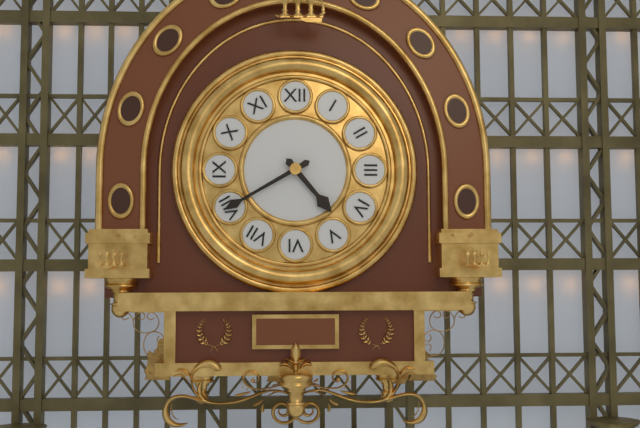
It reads {"hour": 4, "minute": 40}
